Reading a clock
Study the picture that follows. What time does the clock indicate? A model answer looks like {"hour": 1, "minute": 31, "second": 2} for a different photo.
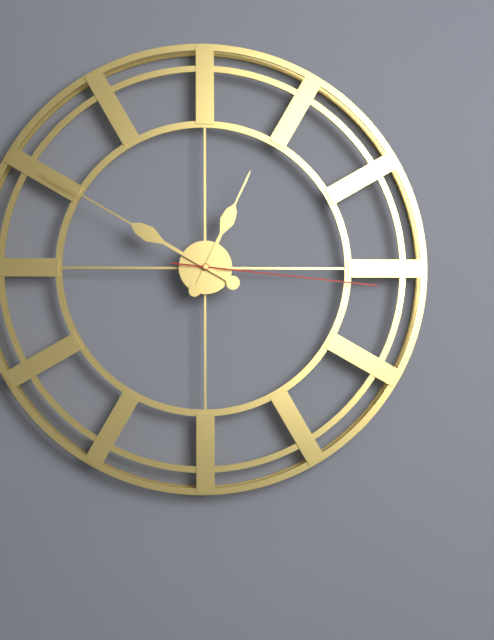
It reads {"hour": 12, "minute": 50, "second": 16}
